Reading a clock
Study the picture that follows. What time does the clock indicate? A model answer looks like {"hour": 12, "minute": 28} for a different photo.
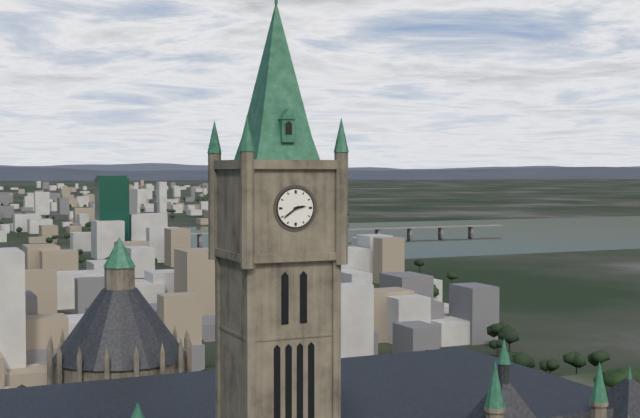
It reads {"hour": 2, "minute": 39}
